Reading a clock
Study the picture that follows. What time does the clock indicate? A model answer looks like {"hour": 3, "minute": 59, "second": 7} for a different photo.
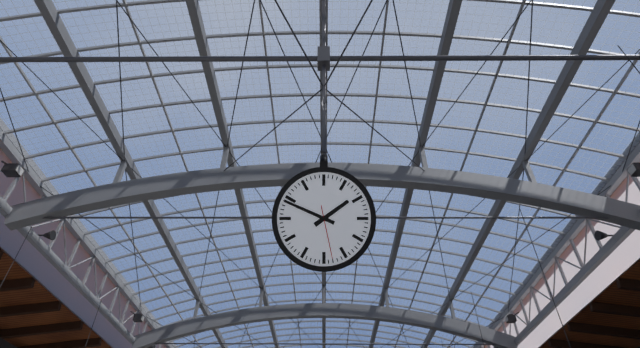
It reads {"hour": 1, "minute": 49, "second": 28}
